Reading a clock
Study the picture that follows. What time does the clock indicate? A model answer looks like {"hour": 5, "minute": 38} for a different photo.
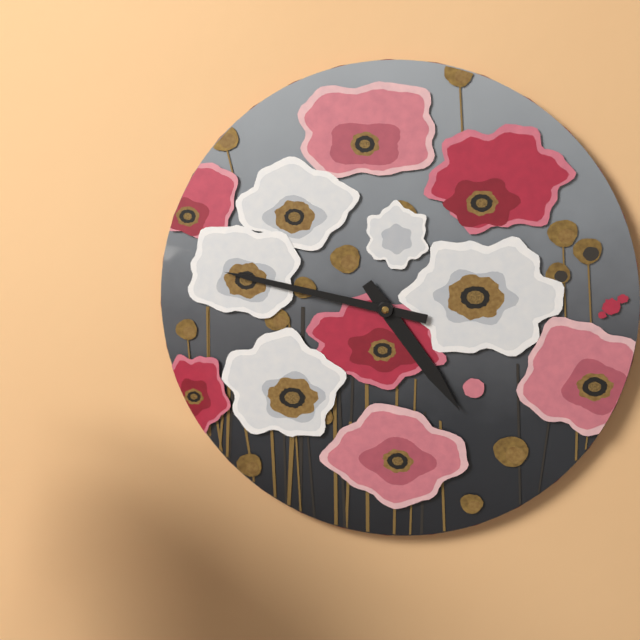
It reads {"hour": 4, "minute": 47}
